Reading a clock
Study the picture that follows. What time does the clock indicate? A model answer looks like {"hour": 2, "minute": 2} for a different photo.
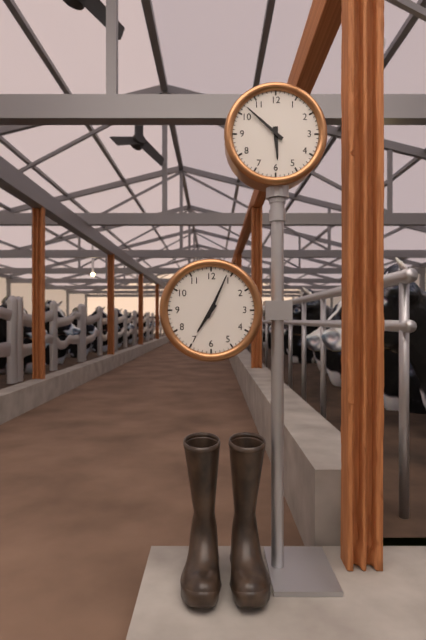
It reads {"hour": 5, "minute": 52}
